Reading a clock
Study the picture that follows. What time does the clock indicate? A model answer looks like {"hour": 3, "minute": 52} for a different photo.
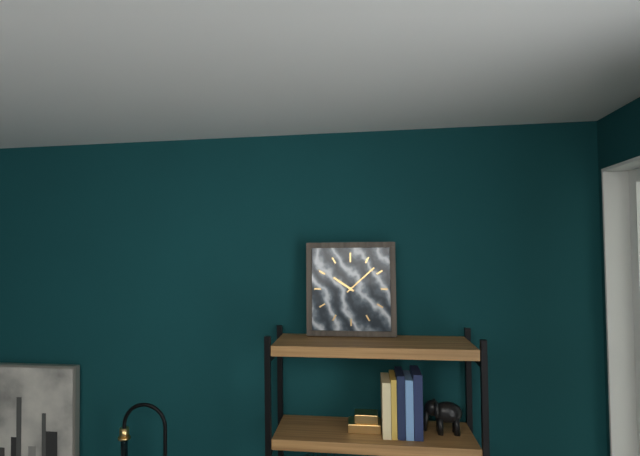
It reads {"hour": 10, "minute": 8}
